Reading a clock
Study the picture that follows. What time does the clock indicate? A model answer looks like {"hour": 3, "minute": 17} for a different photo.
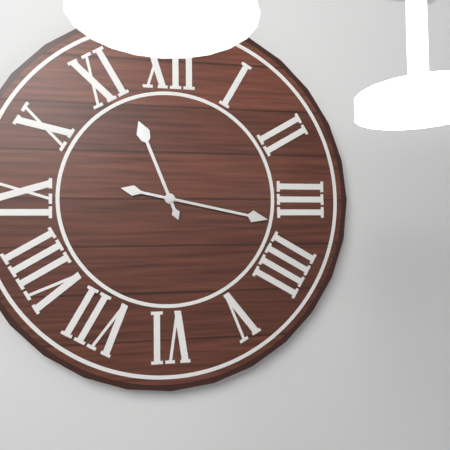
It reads {"hour": 11, "minute": 17}
